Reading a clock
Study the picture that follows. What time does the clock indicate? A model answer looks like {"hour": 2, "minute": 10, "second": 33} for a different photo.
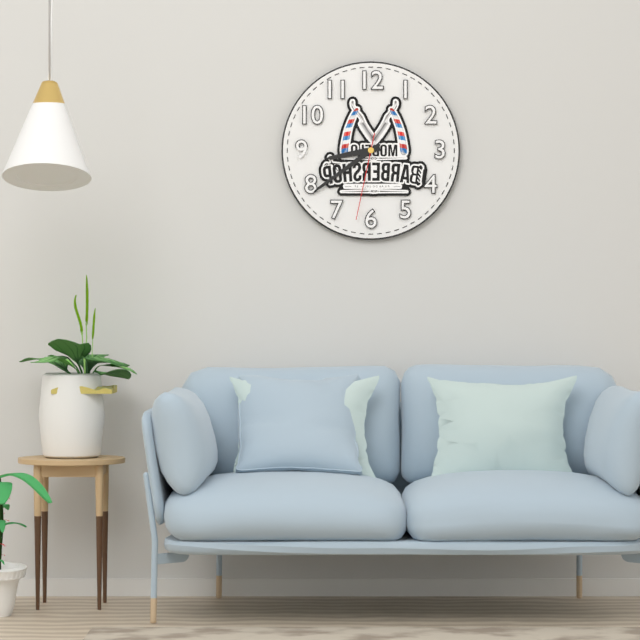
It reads {"hour": 8, "minute": 39, "second": 32}
